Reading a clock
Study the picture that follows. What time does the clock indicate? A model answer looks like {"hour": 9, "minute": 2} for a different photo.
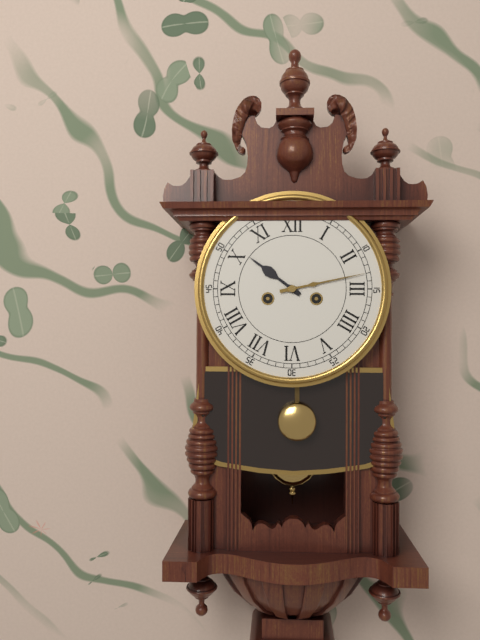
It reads {"hour": 10, "minute": 13}
